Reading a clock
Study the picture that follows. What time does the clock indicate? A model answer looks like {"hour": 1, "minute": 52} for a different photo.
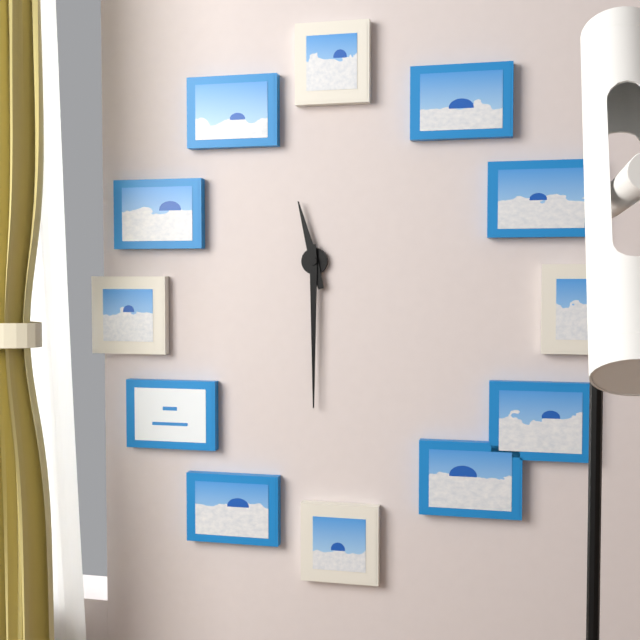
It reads {"hour": 11, "minute": 30}
